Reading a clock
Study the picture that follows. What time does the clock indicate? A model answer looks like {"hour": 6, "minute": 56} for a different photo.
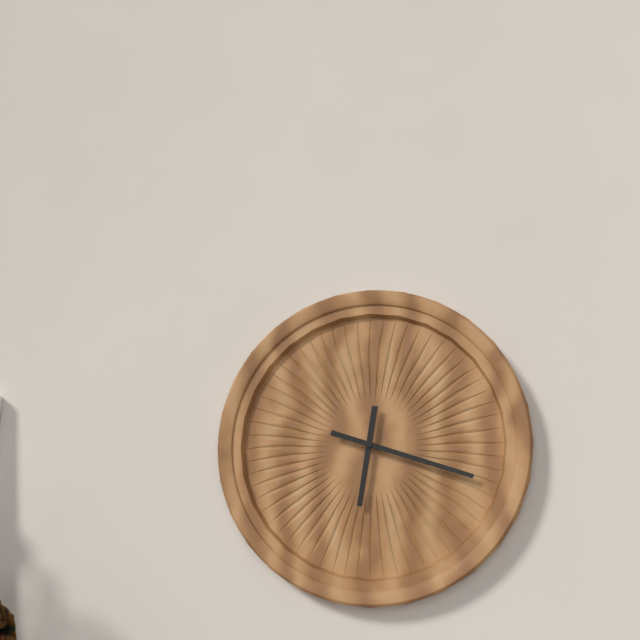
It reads {"hour": 6, "minute": 18}
